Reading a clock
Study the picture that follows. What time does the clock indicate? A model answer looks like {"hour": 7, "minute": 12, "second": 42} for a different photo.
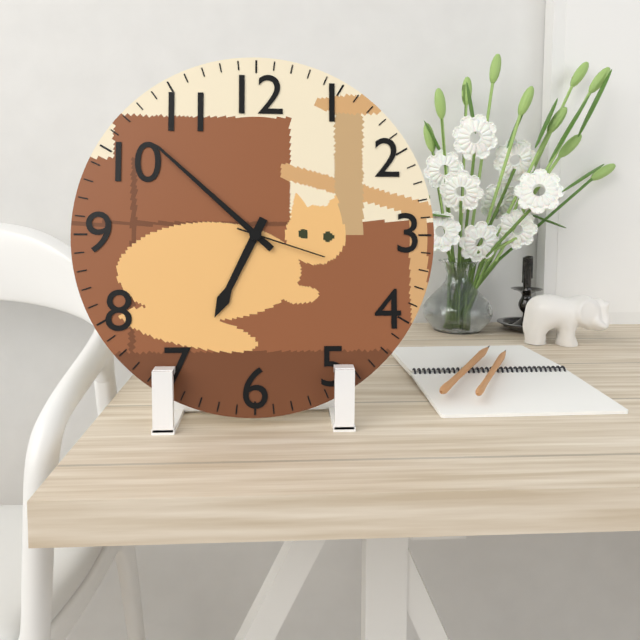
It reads {"hour": 6, "minute": 52, "second": 18}
